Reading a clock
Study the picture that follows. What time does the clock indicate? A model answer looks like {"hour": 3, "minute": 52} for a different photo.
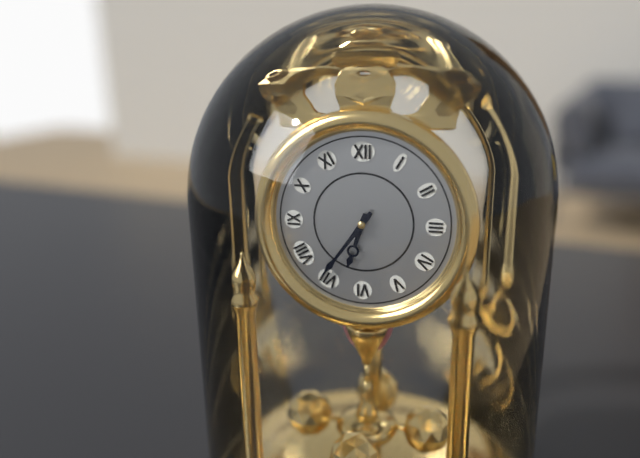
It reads {"hour": 6, "minute": 36}
